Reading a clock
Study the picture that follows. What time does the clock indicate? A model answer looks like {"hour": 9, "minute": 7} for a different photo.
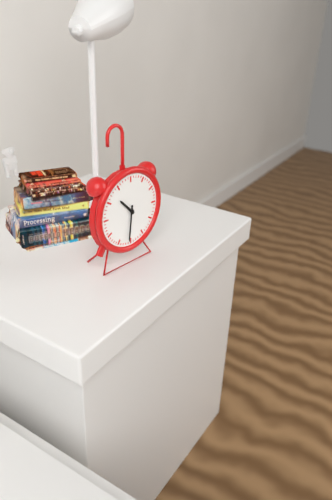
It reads {"hour": 10, "minute": 31}
